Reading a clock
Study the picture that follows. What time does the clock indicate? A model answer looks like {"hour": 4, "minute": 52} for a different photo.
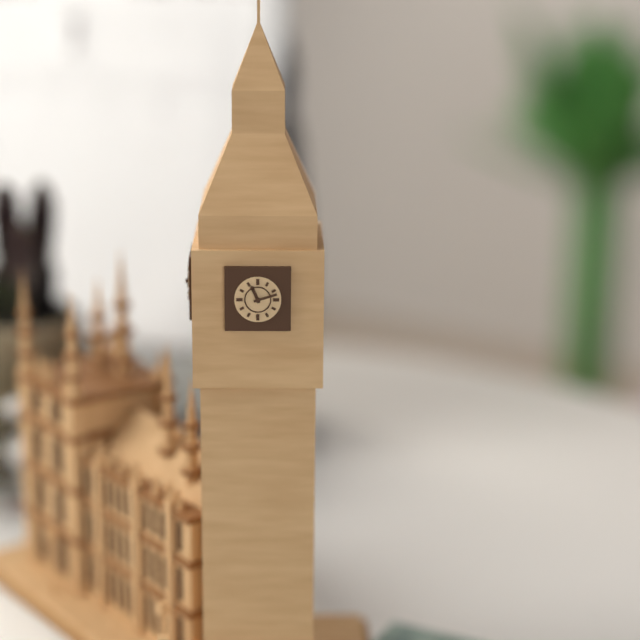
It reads {"hour": 11, "minute": 12}
